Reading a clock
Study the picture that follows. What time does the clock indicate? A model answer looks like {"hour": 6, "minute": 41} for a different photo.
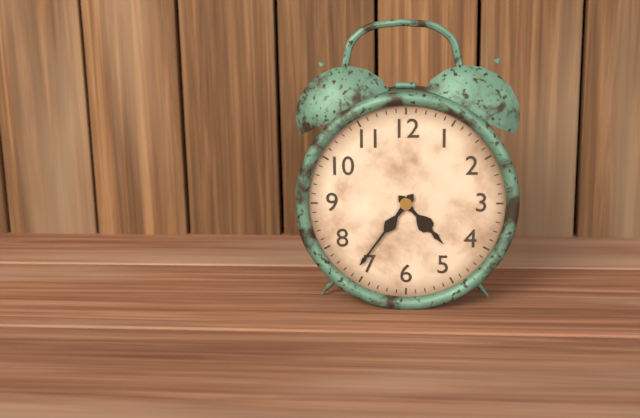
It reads {"hour": 4, "minute": 36}
